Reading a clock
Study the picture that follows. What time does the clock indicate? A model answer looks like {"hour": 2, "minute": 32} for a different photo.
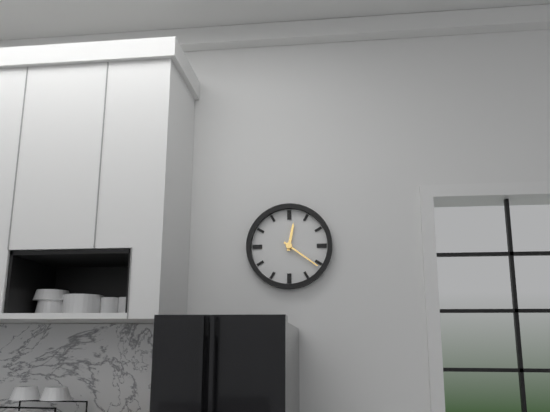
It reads {"hour": 12, "minute": 21}
